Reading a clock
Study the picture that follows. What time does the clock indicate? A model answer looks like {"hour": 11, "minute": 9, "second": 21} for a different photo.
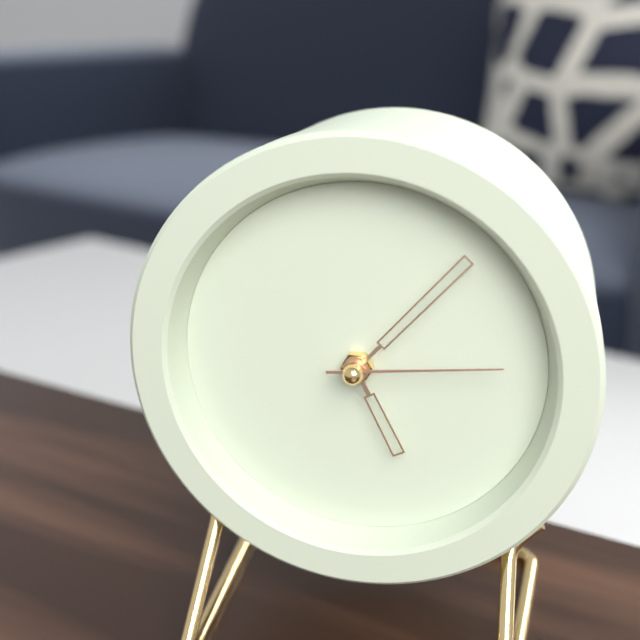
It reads {"hour": 5, "minute": 7, "second": 14}
